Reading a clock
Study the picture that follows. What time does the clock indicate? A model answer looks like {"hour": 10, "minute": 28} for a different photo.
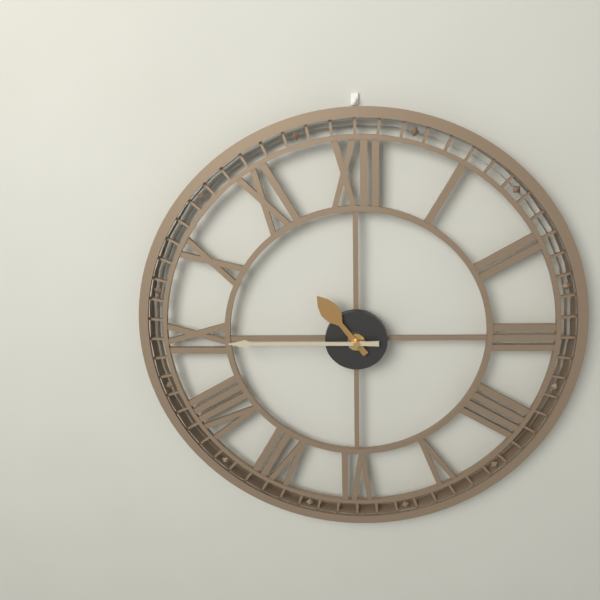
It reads {"hour": 10, "minute": 45}
